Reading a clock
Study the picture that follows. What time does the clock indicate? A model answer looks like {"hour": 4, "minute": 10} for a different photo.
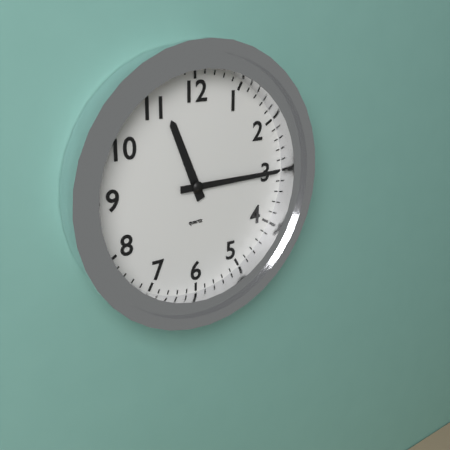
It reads {"hour": 11, "minute": 15}
